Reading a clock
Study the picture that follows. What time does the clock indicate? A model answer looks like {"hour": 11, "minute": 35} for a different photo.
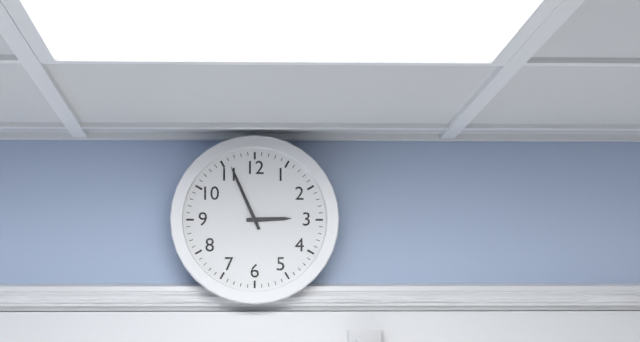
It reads {"hour": 2, "minute": 56}
